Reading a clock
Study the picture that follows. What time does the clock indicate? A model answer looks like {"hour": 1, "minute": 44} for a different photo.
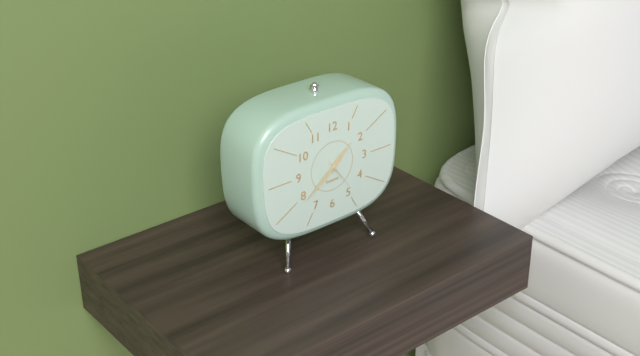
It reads {"hour": 1, "minute": 39}
